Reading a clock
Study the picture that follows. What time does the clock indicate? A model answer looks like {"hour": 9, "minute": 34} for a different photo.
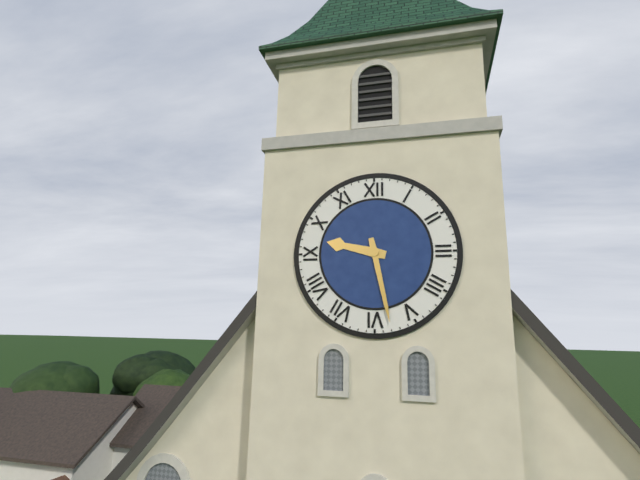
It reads {"hour": 9, "minute": 28}
